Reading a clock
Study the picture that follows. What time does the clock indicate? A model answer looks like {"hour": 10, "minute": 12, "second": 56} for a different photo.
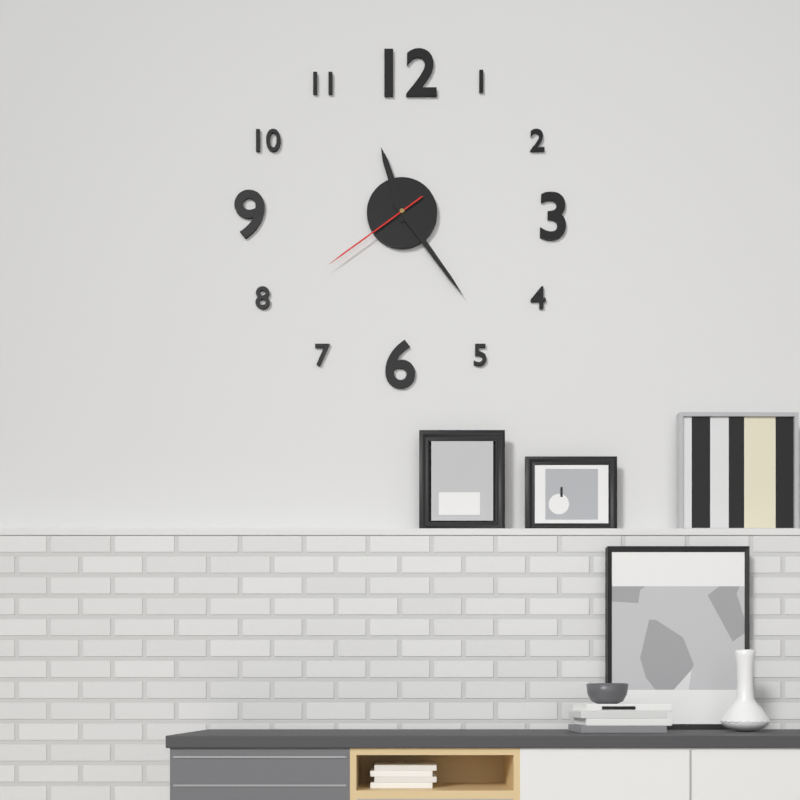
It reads {"hour": 11, "minute": 24, "second": 39}
